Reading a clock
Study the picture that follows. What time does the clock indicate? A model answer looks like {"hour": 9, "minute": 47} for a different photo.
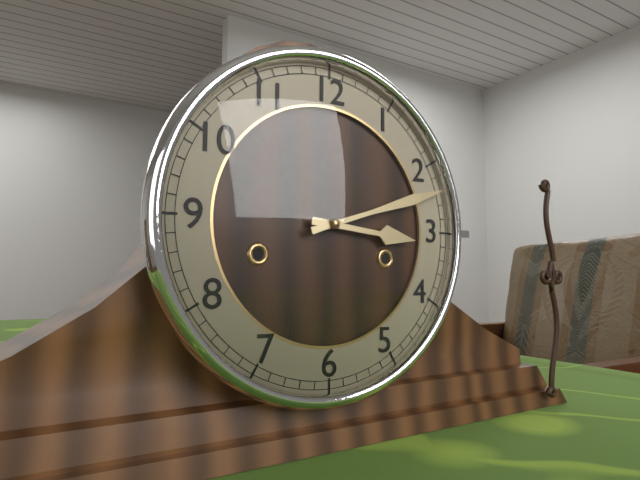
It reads {"hour": 3, "minute": 12}
